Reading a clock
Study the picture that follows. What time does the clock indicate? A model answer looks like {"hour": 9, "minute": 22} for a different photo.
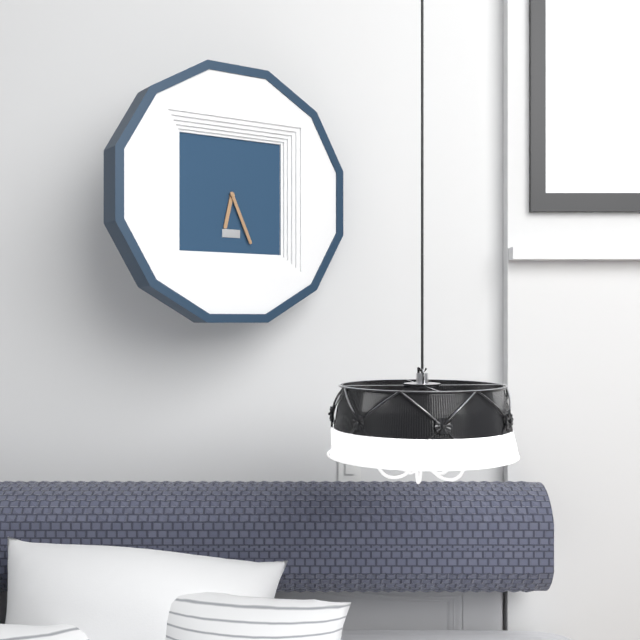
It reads {"hour": 6, "minute": 26}
